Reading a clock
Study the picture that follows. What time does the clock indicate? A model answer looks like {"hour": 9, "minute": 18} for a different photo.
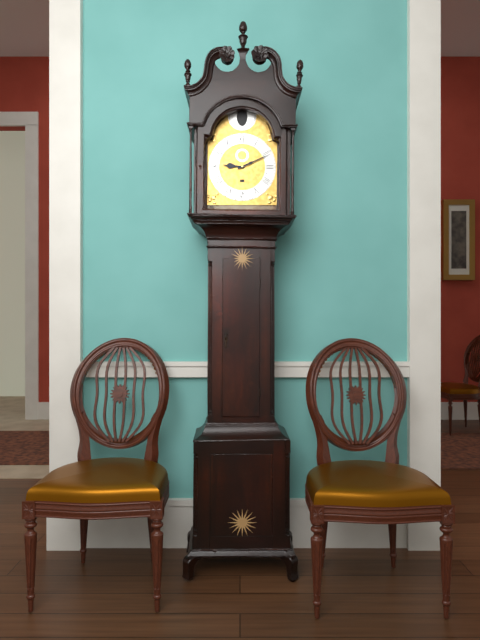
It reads {"hour": 9, "minute": 11}
